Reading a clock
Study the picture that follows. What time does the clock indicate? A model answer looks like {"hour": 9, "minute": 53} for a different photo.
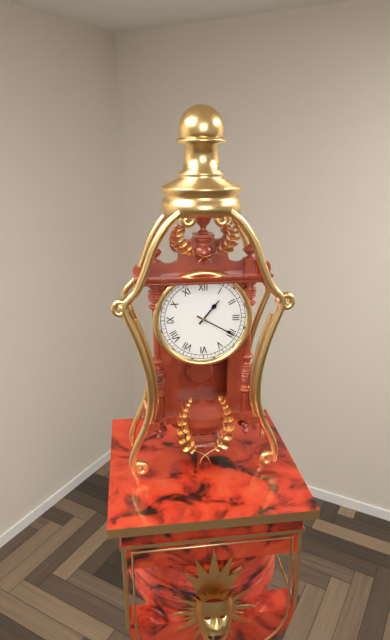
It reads {"hour": 1, "minute": 20}
